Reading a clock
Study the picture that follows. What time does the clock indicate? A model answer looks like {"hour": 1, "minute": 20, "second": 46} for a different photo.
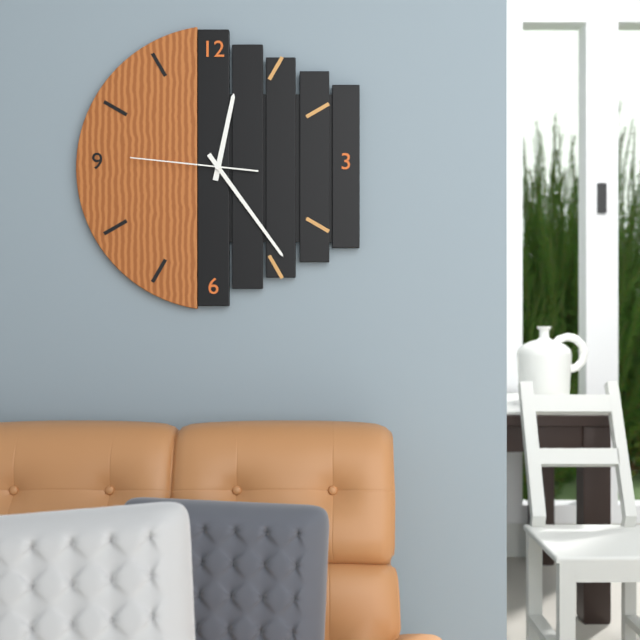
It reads {"hour": 12, "minute": 24, "second": 46}
